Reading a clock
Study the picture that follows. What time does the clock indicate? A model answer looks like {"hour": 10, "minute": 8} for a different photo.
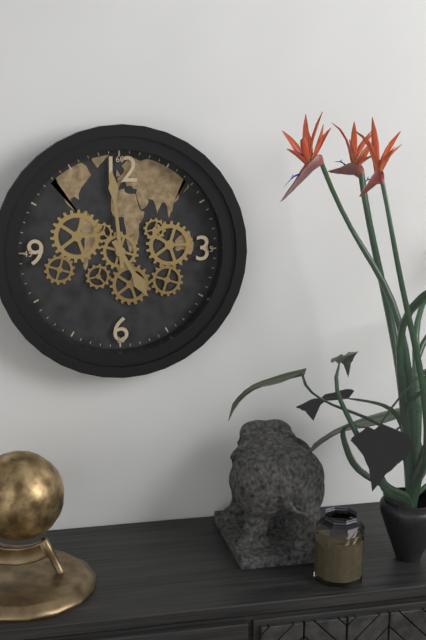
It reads {"hour": 4, "minute": 59}
